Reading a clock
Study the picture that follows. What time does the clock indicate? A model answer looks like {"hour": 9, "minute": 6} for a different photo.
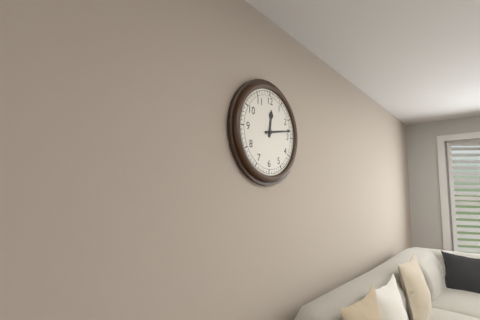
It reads {"hour": 12, "minute": 13}
